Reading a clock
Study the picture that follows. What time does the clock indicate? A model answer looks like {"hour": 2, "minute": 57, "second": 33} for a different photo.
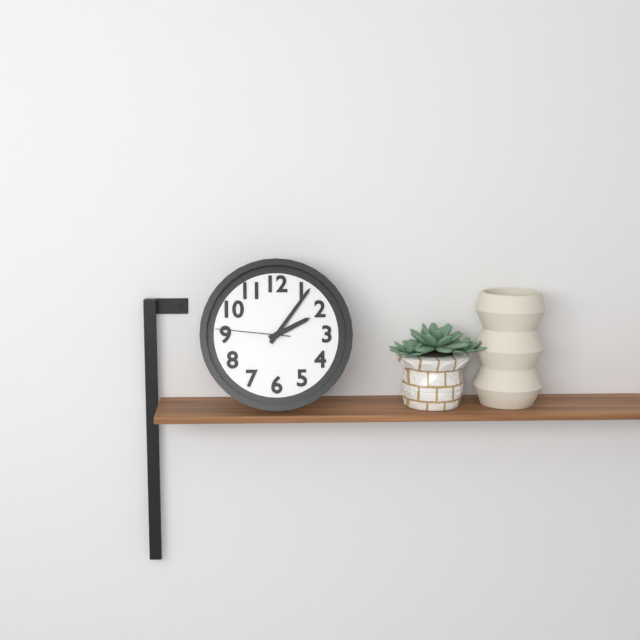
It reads {"hour": 2, "minute": 6, "second": 46}
